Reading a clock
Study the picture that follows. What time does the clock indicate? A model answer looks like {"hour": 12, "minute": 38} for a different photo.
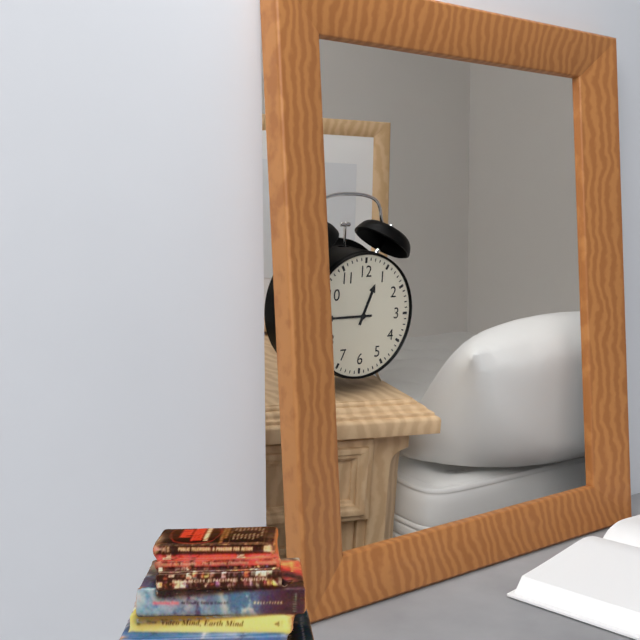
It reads {"hour": 12, "minute": 45}
